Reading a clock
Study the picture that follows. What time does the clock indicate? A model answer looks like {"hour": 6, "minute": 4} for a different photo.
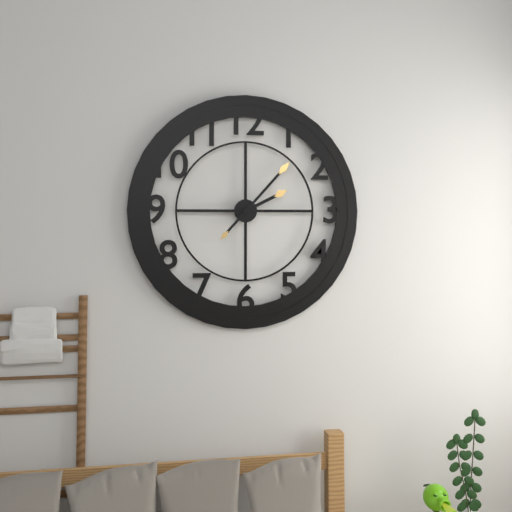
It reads {"hour": 2, "minute": 7}
